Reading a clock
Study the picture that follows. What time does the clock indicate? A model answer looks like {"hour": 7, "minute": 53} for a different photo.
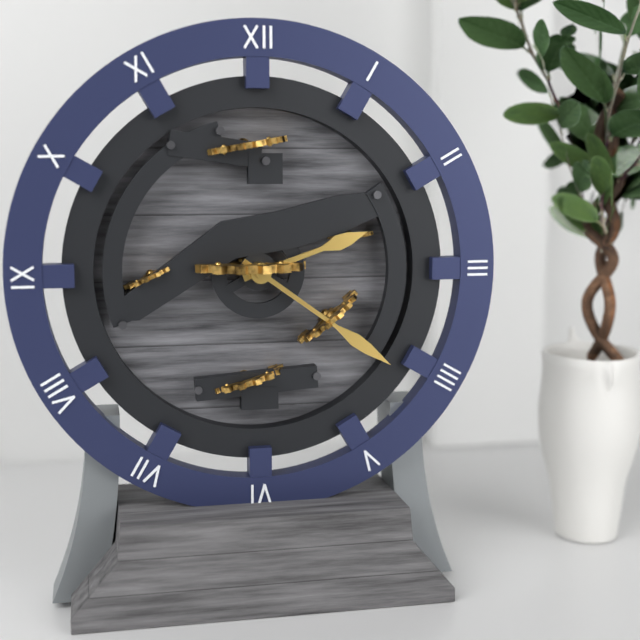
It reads {"hour": 2, "minute": 21}
